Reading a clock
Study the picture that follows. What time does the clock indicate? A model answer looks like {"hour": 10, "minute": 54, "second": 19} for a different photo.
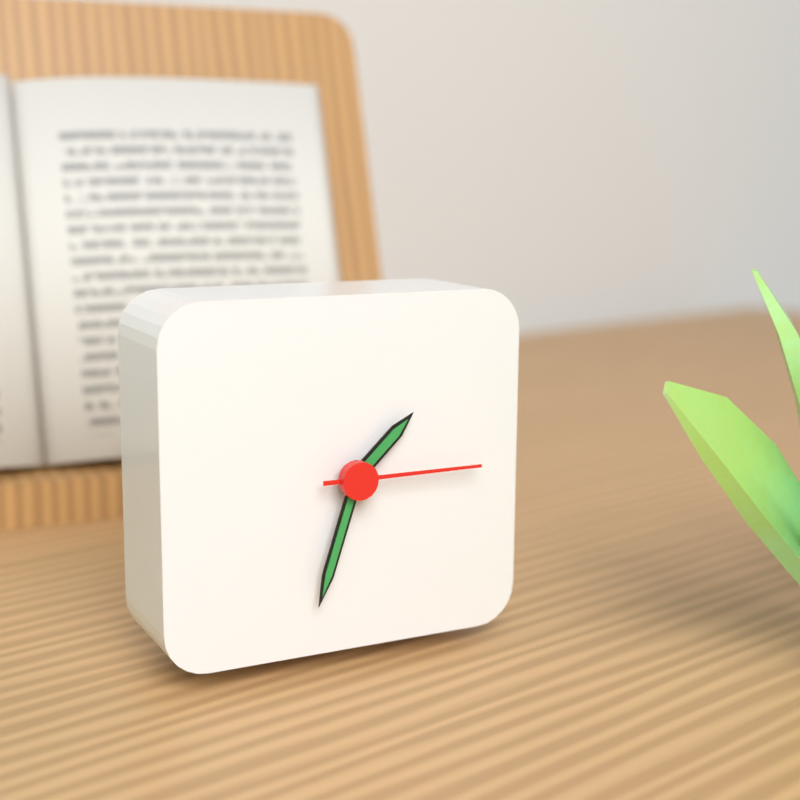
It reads {"hour": 1, "minute": 33, "second": 15}
